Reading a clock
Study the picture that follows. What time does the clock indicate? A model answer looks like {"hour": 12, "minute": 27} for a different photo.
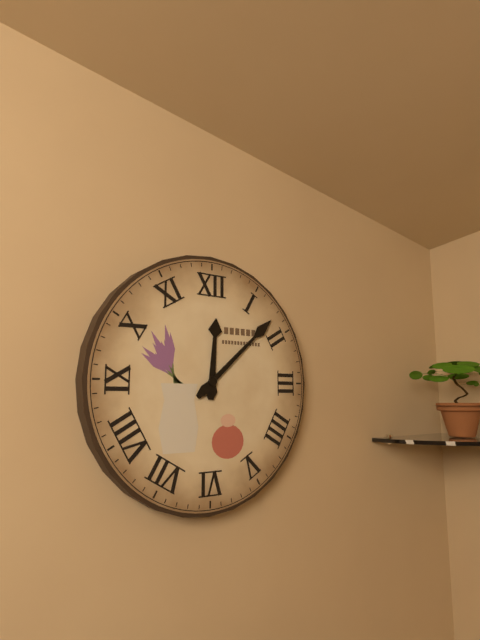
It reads {"hour": 12, "minute": 8}
